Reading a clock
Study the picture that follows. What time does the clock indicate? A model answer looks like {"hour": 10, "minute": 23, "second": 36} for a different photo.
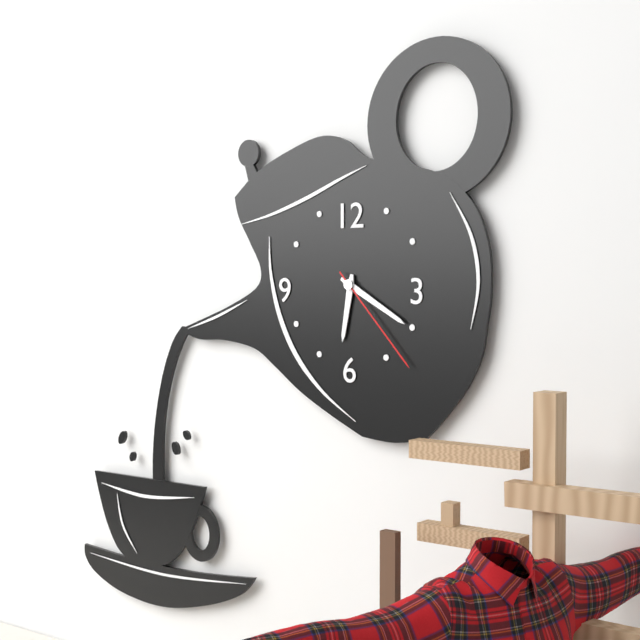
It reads {"hour": 6, "minute": 20, "second": 23}
